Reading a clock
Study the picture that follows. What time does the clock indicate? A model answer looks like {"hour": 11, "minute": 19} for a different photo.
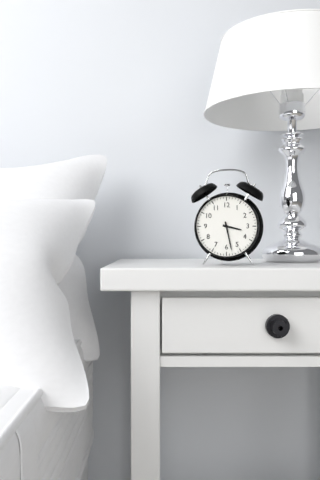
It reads {"hour": 3, "minute": 28}
